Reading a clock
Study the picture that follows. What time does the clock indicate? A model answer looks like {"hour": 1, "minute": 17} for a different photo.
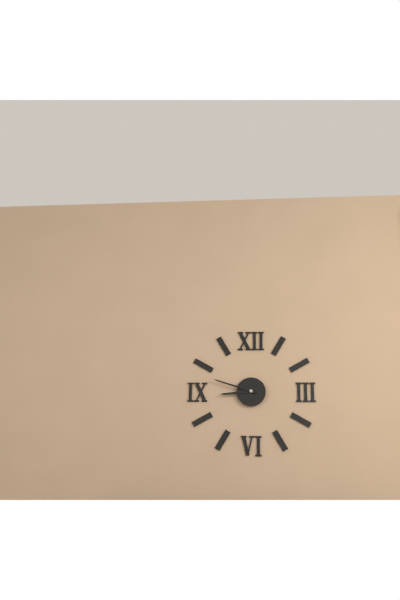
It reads {"hour": 8, "minute": 48}
